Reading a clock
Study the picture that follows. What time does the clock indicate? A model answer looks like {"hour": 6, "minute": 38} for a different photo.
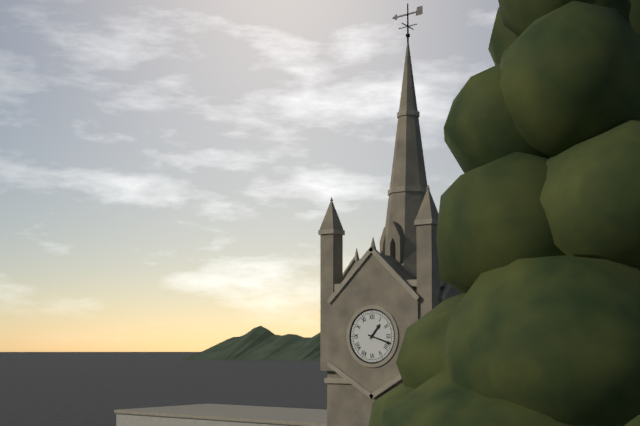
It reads {"hour": 1, "minute": 18}
